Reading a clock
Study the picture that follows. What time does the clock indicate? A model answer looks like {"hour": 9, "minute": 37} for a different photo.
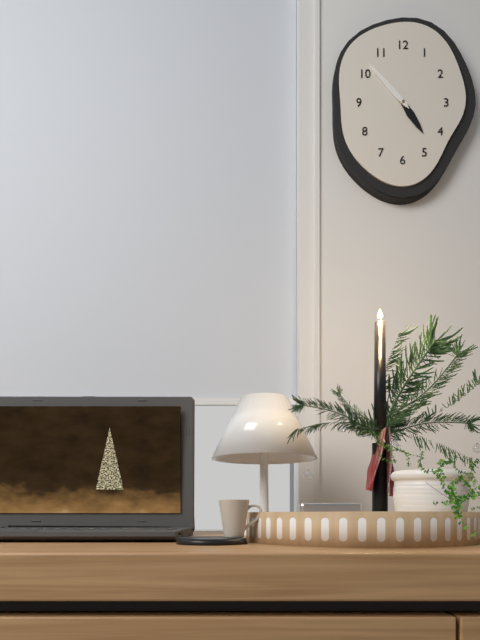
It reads {"hour": 4, "minute": 53}
